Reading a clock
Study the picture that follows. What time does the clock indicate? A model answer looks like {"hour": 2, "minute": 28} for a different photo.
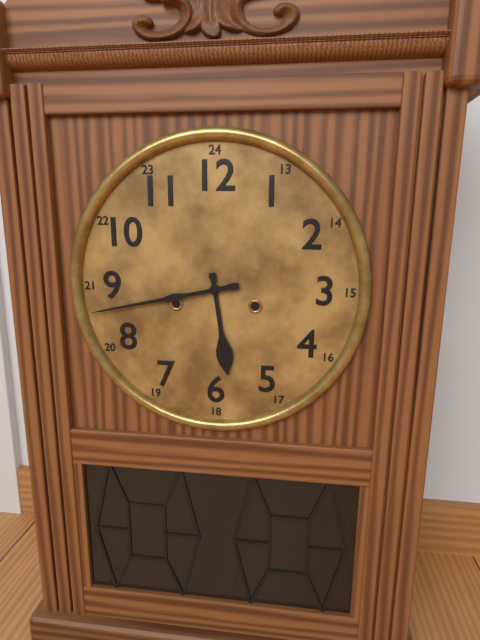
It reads {"hour": 5, "minute": 43}
